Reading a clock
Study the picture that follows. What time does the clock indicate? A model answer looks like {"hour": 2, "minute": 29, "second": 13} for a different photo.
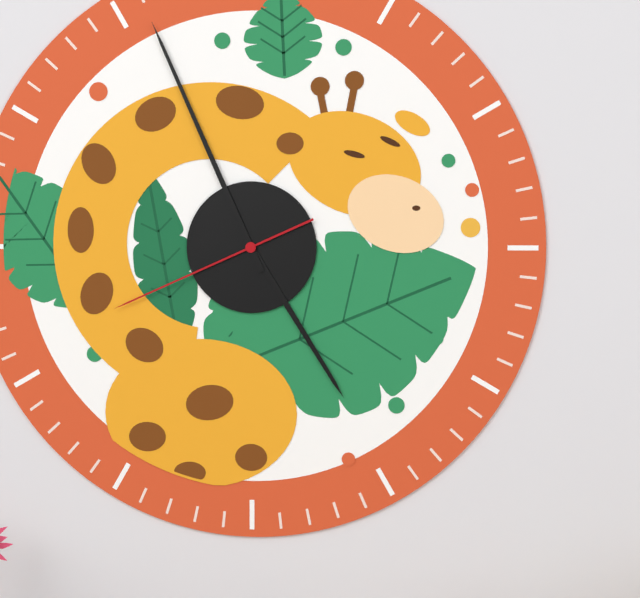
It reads {"hour": 4, "minute": 56, "second": 41}
